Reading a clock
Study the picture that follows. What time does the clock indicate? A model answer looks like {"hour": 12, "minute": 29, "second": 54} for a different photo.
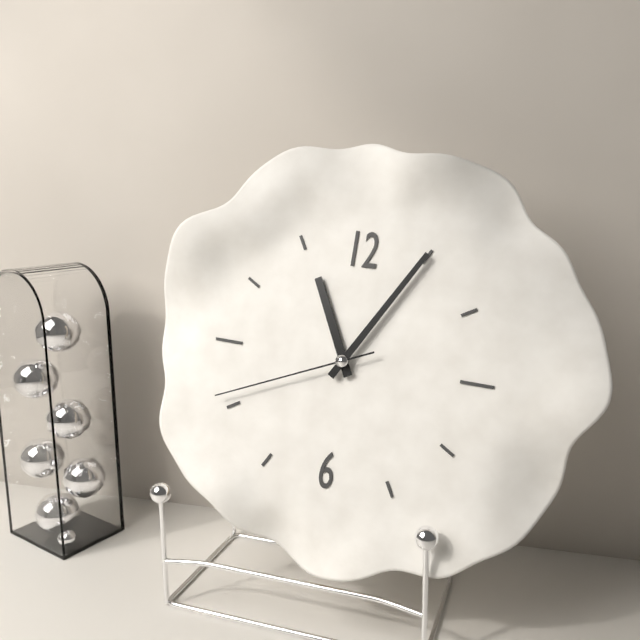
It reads {"hour": 11, "minute": 5, "second": 41}
